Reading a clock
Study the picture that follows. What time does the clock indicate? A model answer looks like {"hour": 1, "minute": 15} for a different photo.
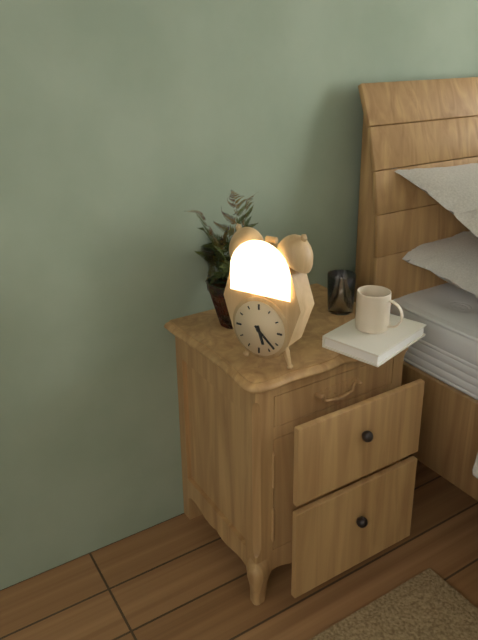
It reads {"hour": 5, "minute": 22}
